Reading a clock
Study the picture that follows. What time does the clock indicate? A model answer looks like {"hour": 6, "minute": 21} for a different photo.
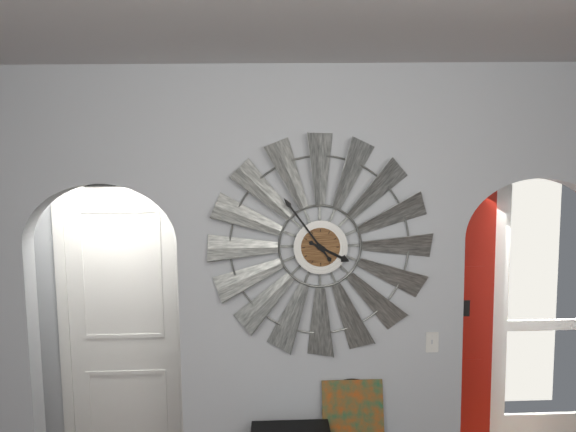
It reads {"hour": 3, "minute": 54}
